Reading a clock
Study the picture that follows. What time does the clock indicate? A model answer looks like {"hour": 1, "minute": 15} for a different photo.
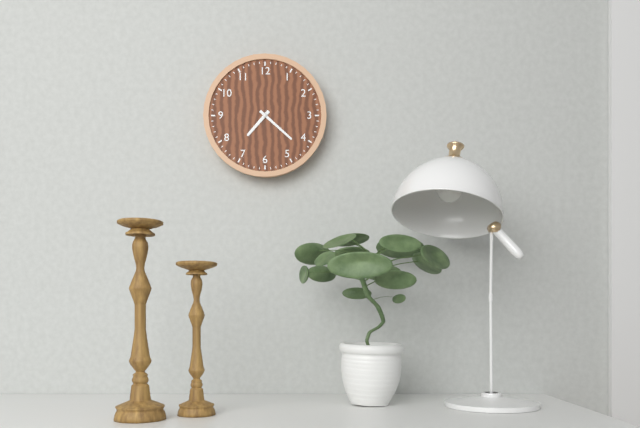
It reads {"hour": 7, "minute": 22}
